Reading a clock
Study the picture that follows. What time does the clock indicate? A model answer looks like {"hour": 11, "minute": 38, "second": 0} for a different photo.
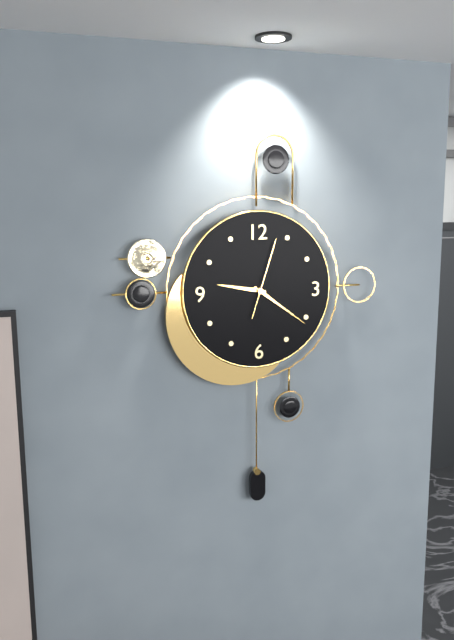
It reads {"hour": 9, "minute": 21, "second": 3}
